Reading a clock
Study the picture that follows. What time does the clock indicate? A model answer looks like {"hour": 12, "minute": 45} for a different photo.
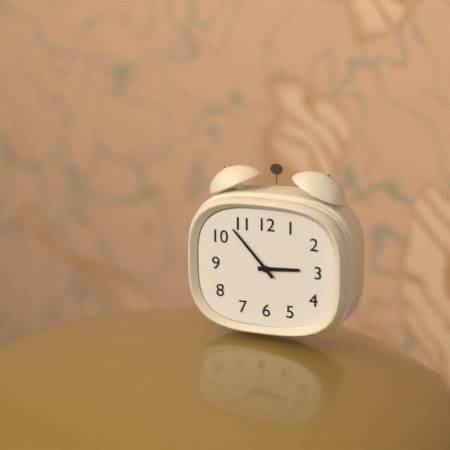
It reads {"hour": 2, "minute": 53}
